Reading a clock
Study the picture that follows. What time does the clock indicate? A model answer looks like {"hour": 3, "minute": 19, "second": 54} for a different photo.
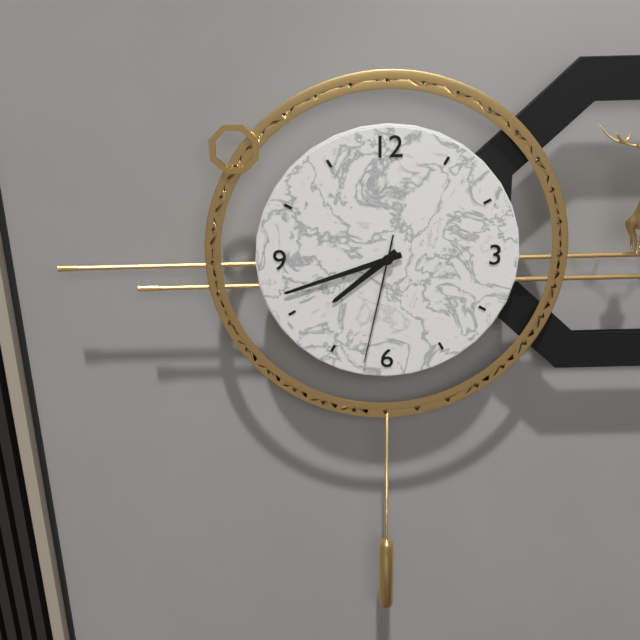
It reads {"hour": 7, "minute": 42, "second": 32}
